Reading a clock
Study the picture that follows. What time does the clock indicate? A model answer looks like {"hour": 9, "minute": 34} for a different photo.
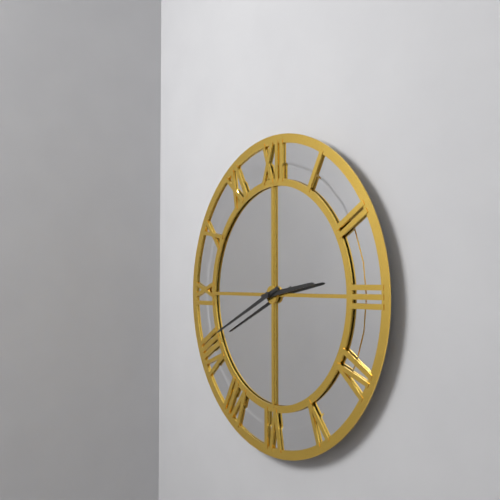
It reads {"hour": 2, "minute": 41}
